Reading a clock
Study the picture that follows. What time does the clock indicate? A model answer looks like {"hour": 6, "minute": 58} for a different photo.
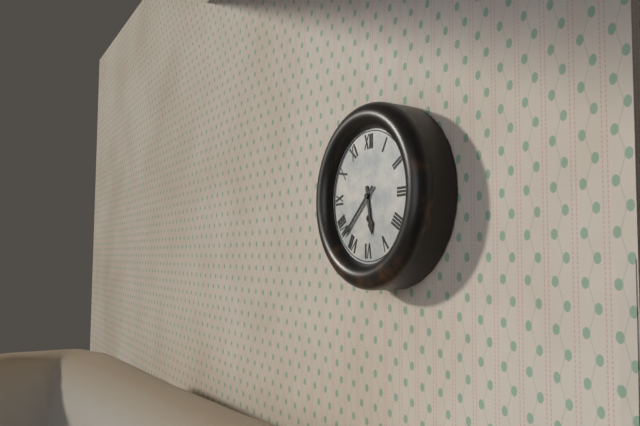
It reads {"hour": 5, "minute": 38}
